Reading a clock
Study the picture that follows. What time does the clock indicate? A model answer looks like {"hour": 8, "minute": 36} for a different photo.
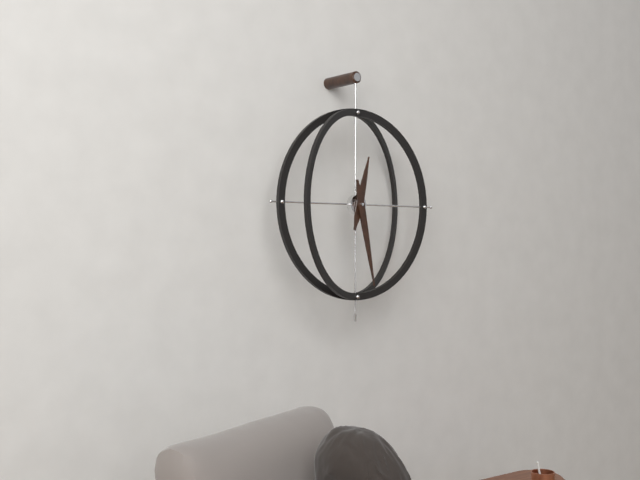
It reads {"hour": 12, "minute": 28}
